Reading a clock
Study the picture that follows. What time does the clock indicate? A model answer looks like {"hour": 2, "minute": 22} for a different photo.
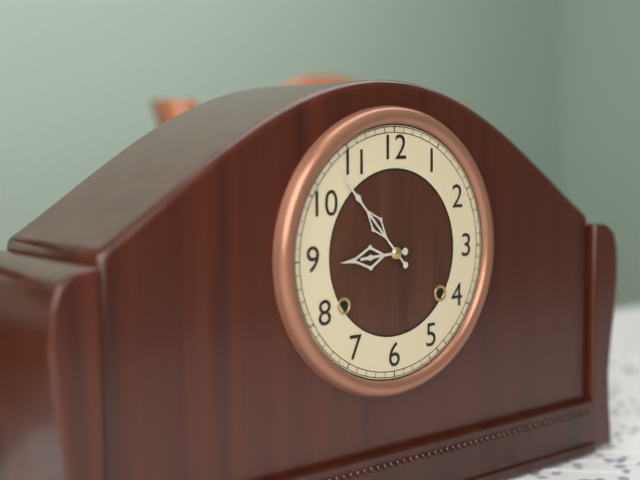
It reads {"hour": 8, "minute": 53}
